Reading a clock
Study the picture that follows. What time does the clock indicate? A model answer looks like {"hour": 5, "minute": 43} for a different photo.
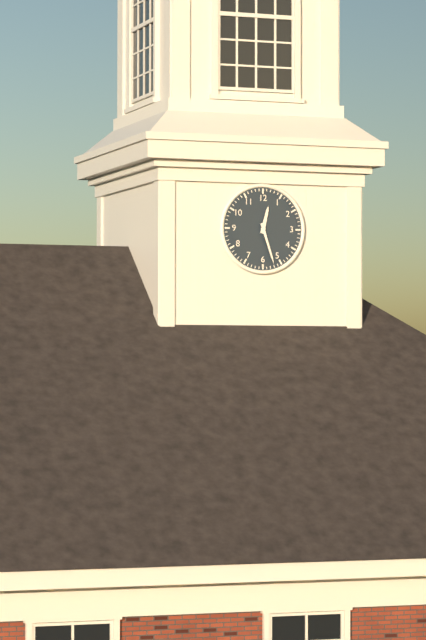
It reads {"hour": 12, "minute": 27}
